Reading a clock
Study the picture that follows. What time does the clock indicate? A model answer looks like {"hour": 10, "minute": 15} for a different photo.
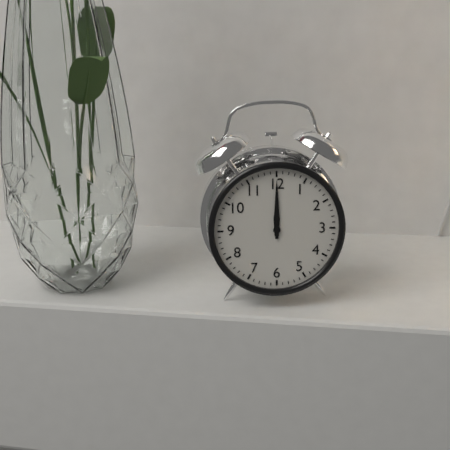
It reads {"hour": 12, "minute": 0}
